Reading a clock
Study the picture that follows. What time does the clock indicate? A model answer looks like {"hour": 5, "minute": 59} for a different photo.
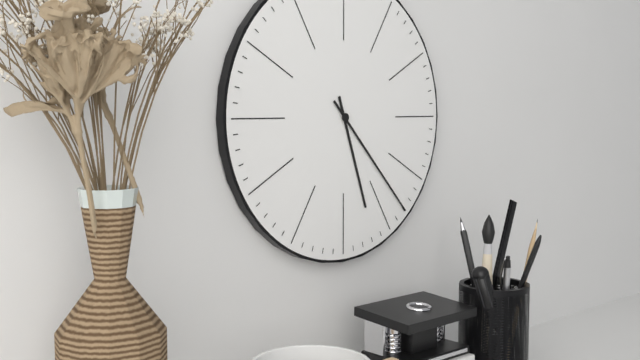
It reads {"hour": 5, "minute": 23}
